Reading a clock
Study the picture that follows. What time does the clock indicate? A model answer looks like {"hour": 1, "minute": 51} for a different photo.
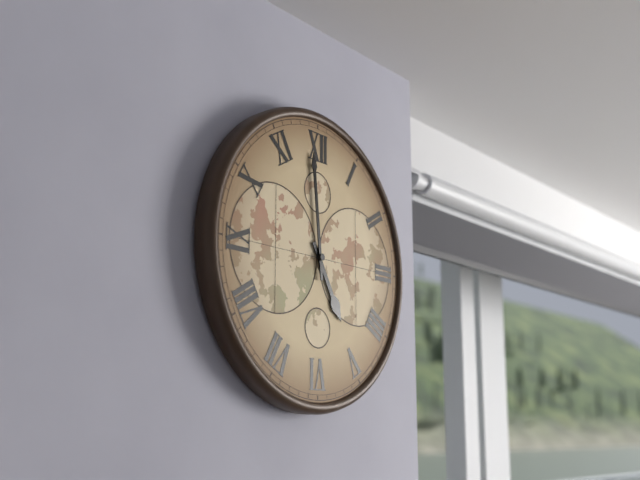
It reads {"hour": 4, "minute": 59}
